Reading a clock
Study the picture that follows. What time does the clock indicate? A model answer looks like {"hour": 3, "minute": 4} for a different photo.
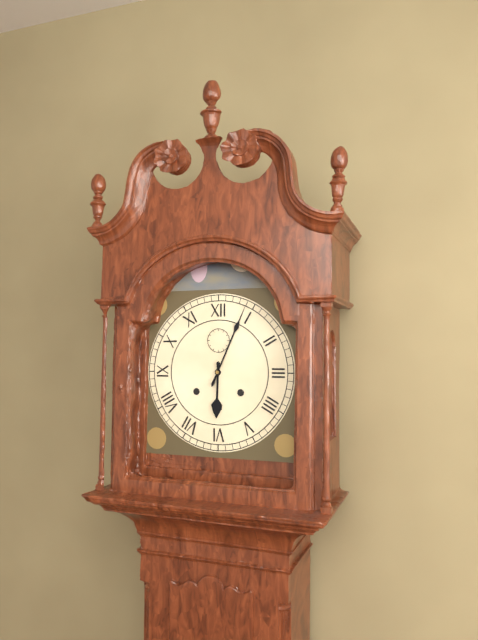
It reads {"hour": 6, "minute": 4}
